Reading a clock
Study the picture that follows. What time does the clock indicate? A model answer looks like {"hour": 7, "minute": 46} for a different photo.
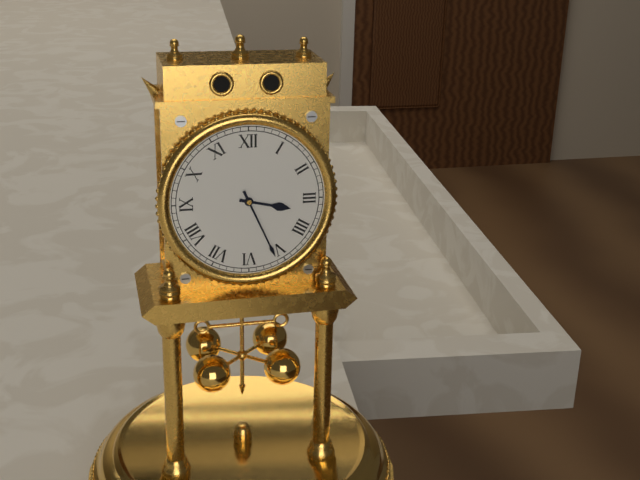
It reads {"hour": 3, "minute": 26}
